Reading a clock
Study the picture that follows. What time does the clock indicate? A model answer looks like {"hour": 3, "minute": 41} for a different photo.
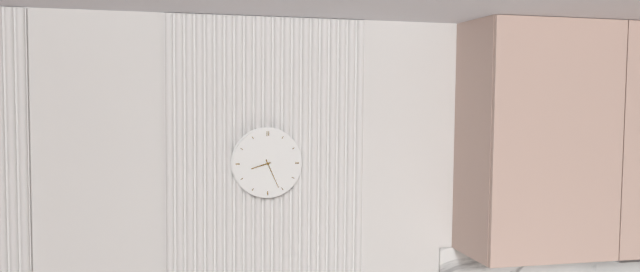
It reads {"hour": 8, "minute": 26}
